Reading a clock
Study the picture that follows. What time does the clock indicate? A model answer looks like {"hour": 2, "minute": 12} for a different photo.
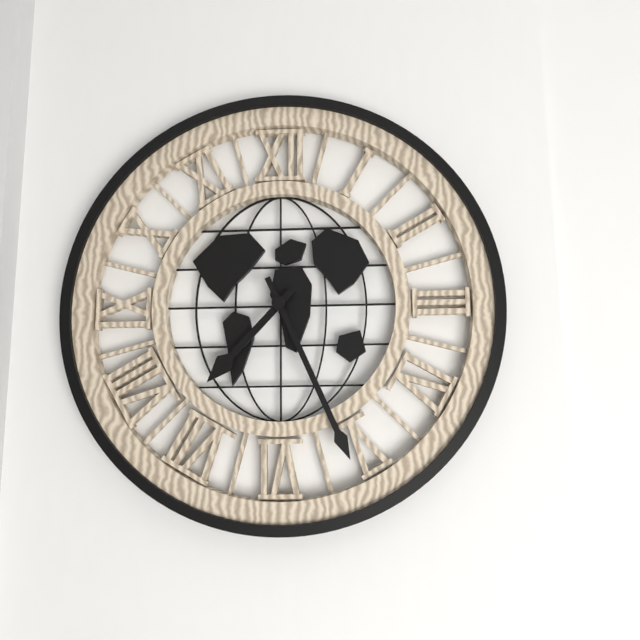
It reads {"hour": 7, "minute": 26}
